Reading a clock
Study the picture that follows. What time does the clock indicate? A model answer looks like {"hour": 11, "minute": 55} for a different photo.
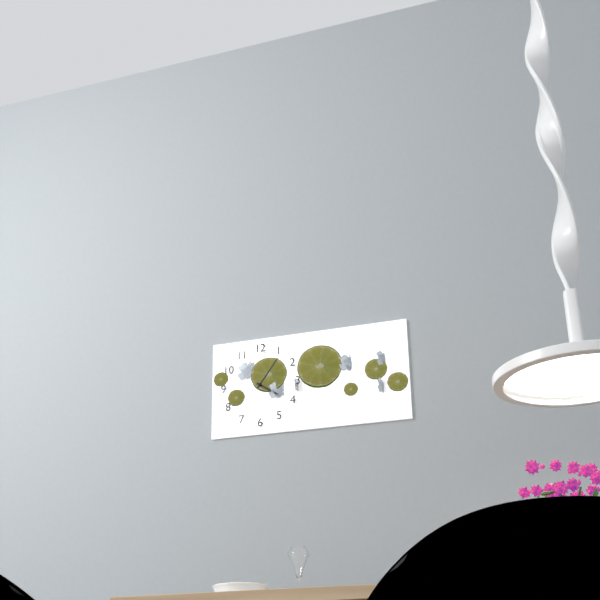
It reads {"hour": 4, "minute": 6}
